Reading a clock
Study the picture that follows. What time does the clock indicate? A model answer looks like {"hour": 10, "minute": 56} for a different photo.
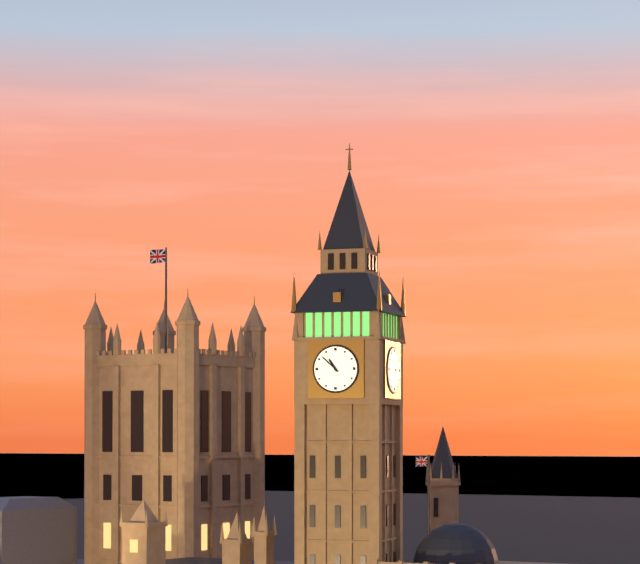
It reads {"hour": 10, "minute": 52}
